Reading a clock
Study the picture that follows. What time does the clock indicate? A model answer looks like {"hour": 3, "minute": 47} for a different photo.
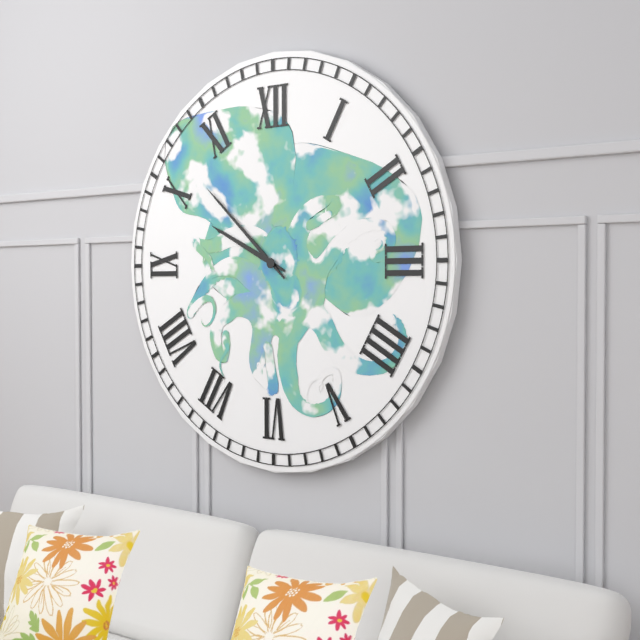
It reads {"hour": 9, "minute": 52}
